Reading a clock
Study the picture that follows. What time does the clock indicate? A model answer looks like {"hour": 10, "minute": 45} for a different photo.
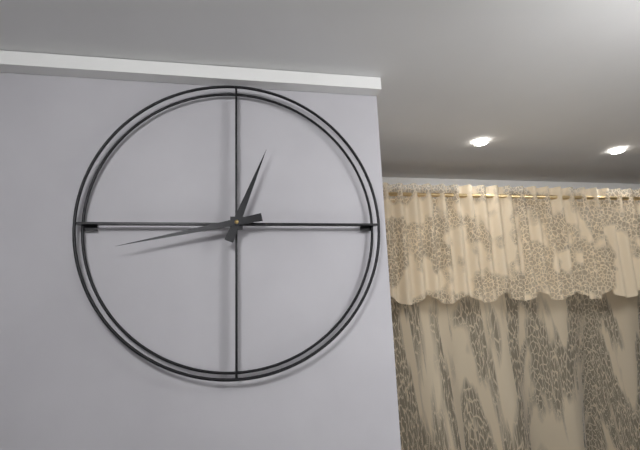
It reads {"hour": 12, "minute": 43}
